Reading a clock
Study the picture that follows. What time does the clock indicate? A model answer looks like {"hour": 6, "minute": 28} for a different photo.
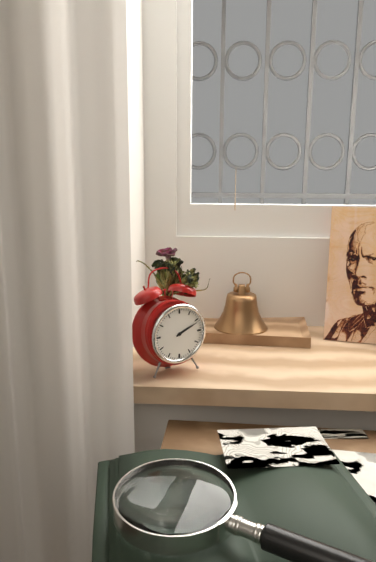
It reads {"hour": 2, "minute": 11}
